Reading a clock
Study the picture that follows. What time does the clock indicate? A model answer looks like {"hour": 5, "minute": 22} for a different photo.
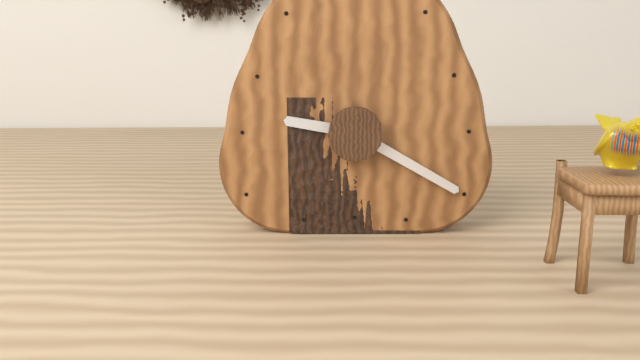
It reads {"hour": 9, "minute": 20}
